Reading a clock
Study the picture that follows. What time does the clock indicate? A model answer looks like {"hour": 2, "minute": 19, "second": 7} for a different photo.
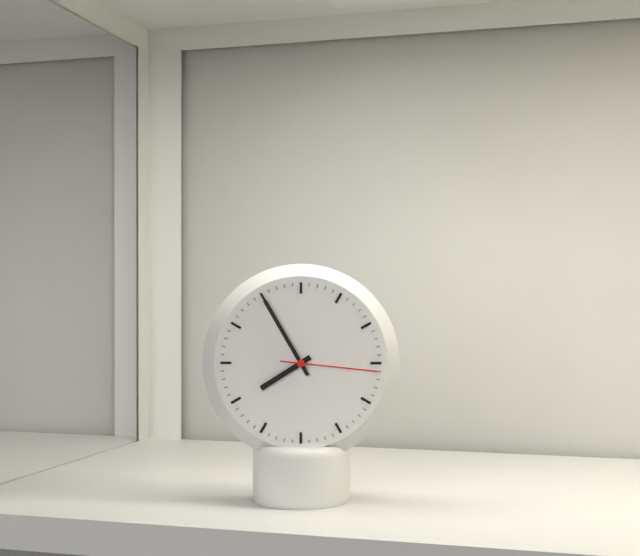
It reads {"hour": 7, "minute": 55, "second": 16}
